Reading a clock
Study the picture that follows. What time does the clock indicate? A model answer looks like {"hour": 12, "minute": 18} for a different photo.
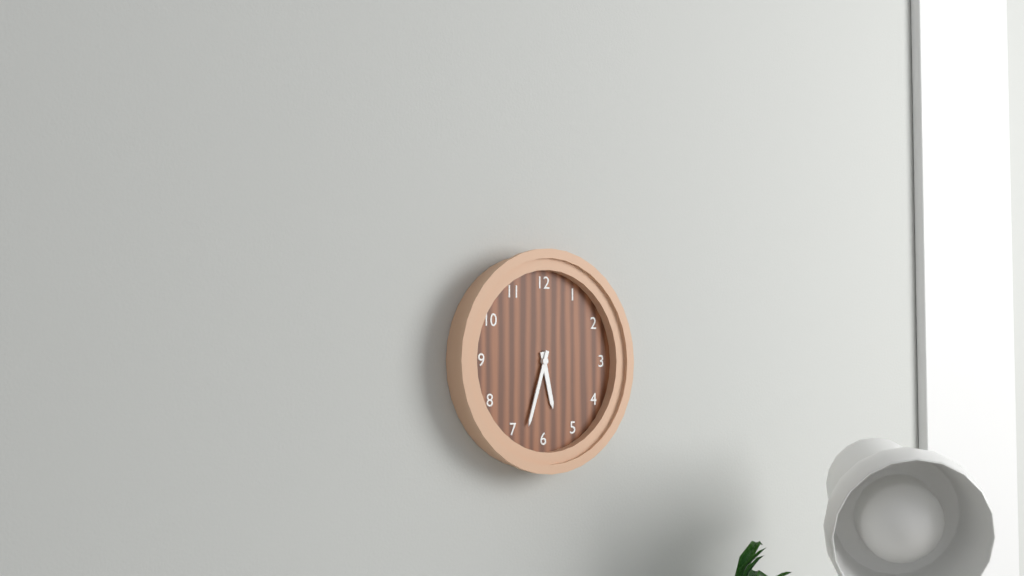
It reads {"hour": 5, "minute": 33}
